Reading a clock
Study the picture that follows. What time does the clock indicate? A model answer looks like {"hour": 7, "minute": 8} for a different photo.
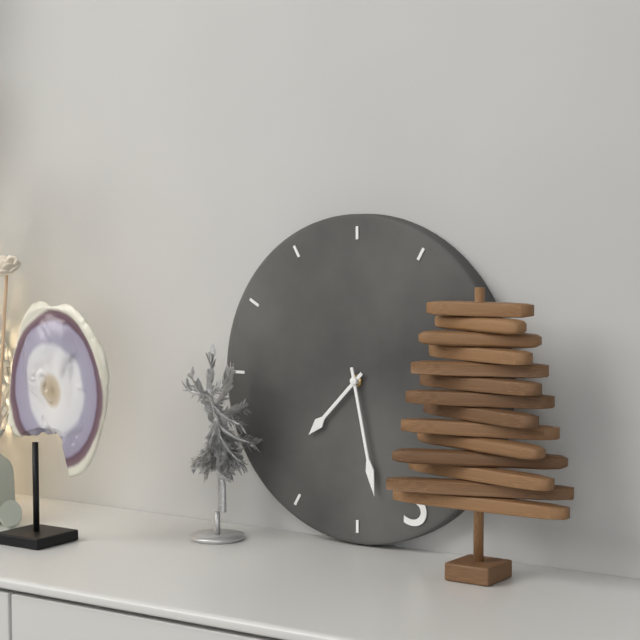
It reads {"hour": 7, "minute": 28}
